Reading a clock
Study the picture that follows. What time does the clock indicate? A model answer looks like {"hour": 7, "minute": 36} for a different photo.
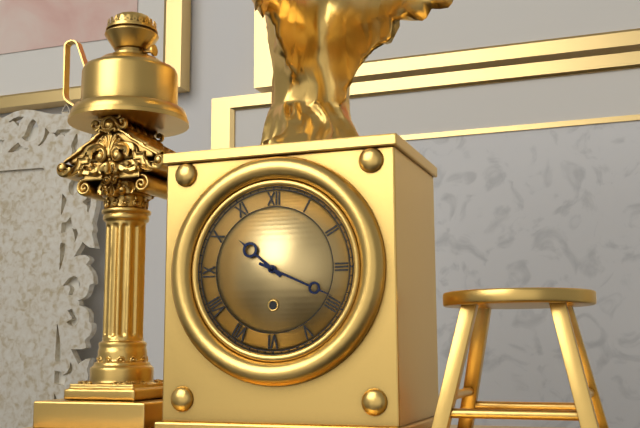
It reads {"hour": 10, "minute": 19}
